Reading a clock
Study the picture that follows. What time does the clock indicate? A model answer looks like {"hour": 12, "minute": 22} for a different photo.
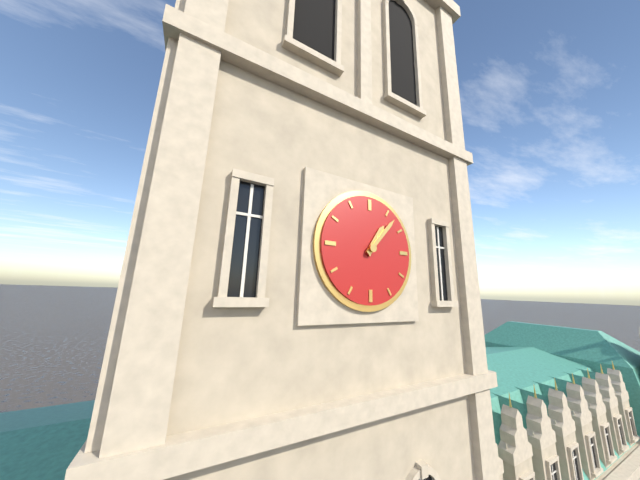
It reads {"hour": 1, "minute": 7}
